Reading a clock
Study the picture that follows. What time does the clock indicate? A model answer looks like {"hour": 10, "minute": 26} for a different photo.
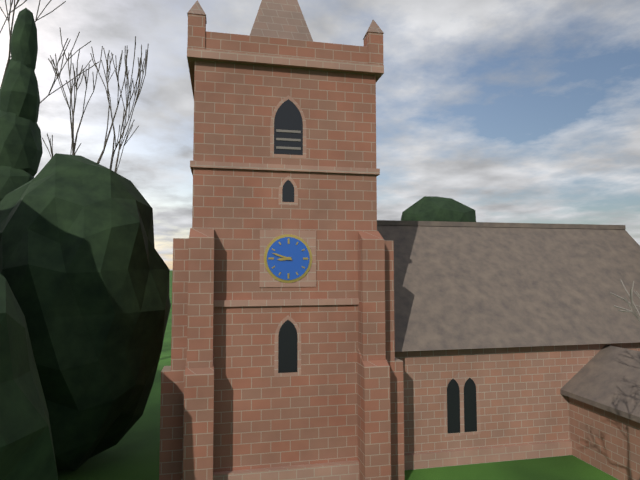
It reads {"hour": 8, "minute": 48}
